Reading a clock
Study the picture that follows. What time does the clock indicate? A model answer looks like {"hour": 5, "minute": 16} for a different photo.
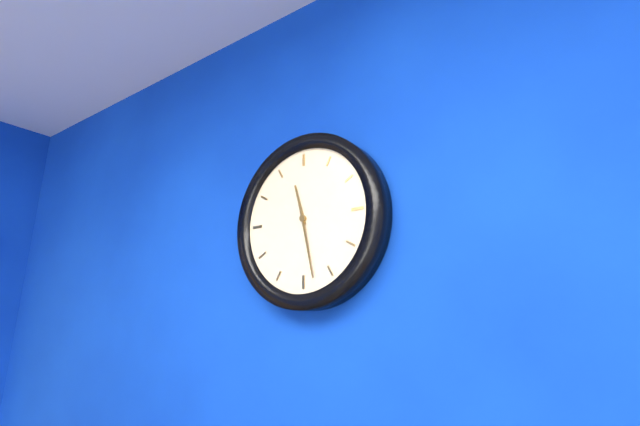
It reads {"hour": 11, "minute": 28}
